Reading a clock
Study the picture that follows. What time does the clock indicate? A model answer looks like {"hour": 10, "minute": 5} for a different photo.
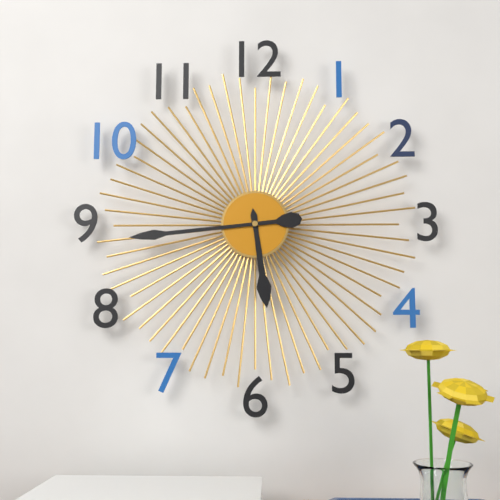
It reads {"hour": 5, "minute": 44}
